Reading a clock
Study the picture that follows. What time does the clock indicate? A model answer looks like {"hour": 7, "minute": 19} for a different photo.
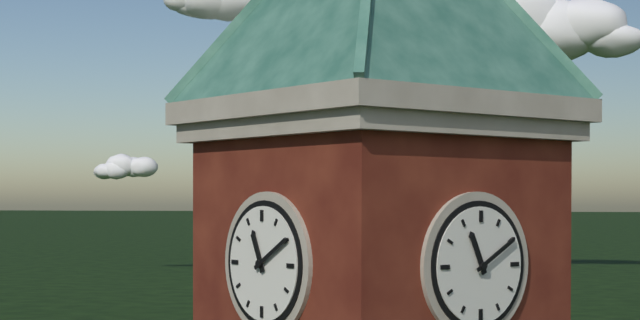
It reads {"hour": 11, "minute": 10}
